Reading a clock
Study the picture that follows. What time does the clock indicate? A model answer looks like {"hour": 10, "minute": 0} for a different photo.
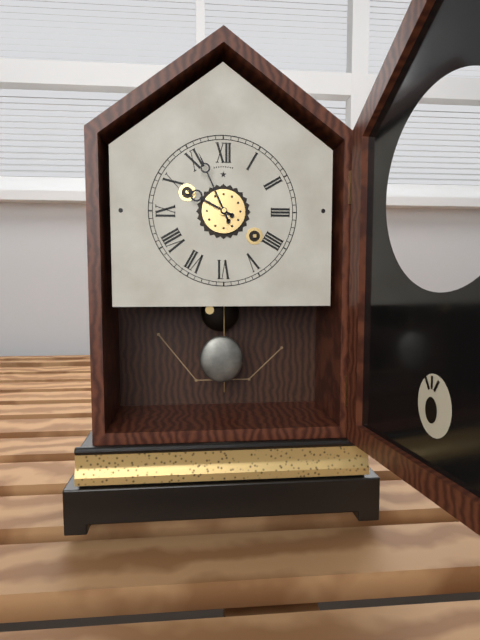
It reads {"hour": 9, "minute": 56}
